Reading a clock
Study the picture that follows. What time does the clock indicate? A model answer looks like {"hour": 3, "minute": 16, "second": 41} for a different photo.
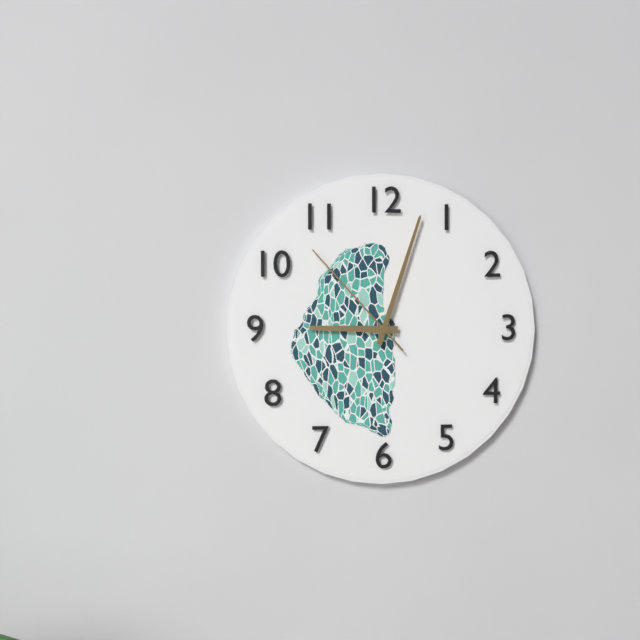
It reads {"hour": 9, "minute": 3, "second": 53}
